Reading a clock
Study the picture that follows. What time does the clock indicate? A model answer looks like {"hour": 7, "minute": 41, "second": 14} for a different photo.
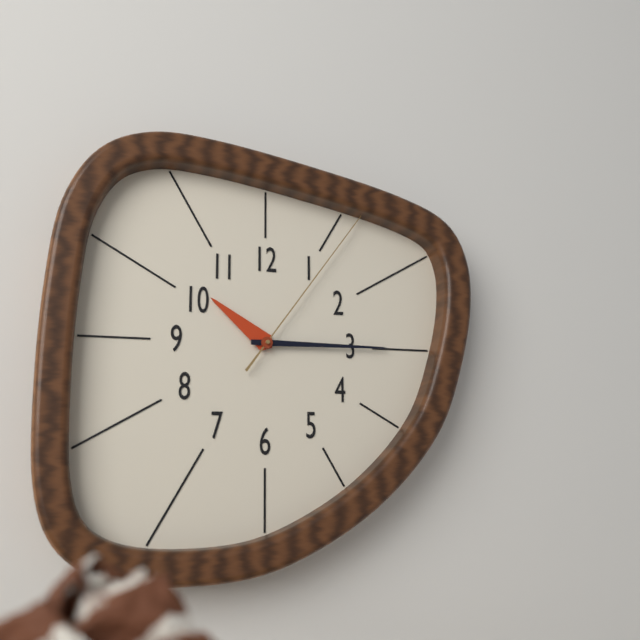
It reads {"hour": 10, "minute": 15, "second": 6}
